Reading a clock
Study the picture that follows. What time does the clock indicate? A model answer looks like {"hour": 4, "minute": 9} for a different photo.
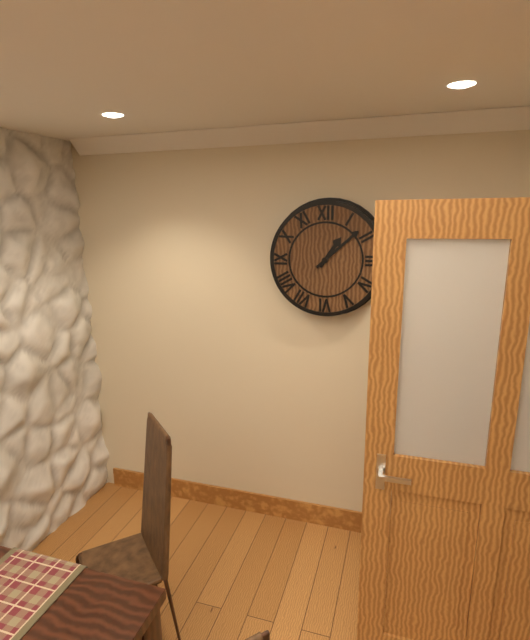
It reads {"hour": 1, "minute": 8}
